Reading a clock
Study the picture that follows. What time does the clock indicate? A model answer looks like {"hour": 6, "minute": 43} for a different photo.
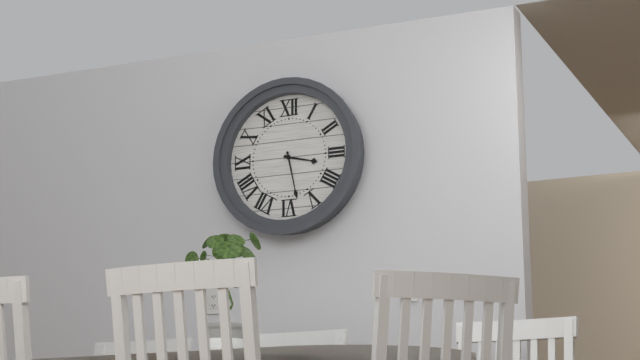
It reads {"hour": 3, "minute": 28}
